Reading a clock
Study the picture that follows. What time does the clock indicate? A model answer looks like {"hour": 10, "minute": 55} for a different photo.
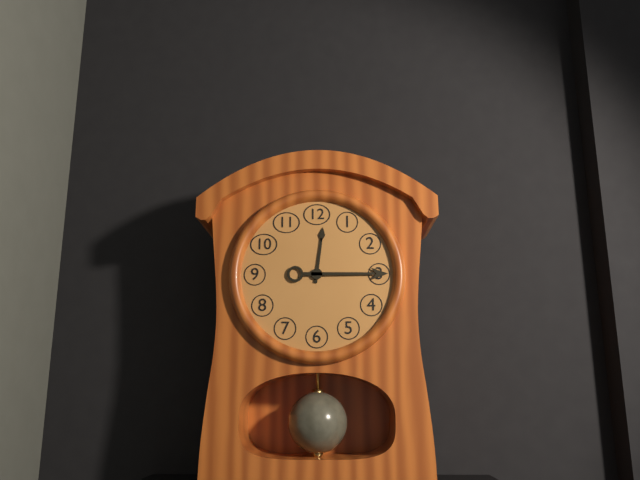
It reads {"hour": 12, "minute": 15}
